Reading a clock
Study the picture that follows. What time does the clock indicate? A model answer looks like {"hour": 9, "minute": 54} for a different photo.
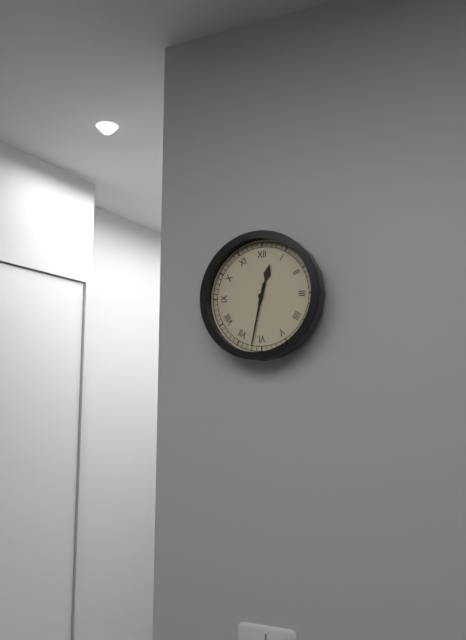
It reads {"hour": 12, "minute": 32}
